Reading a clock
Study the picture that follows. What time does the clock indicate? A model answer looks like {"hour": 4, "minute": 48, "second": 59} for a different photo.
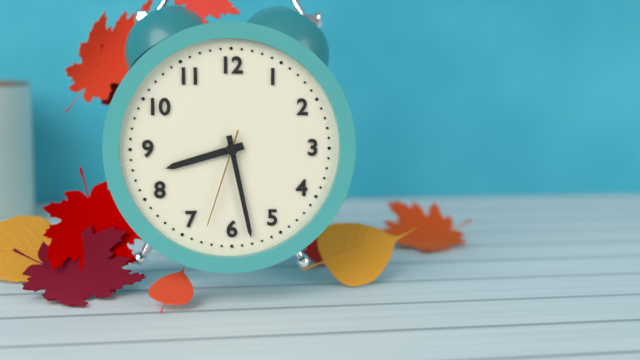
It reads {"hour": 8, "minute": 28, "second": 33}
